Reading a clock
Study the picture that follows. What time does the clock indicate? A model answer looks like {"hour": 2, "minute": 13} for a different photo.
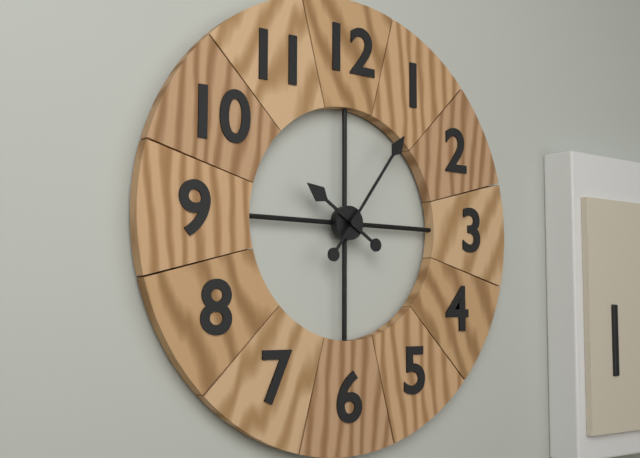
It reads {"hour": 10, "minute": 6}
